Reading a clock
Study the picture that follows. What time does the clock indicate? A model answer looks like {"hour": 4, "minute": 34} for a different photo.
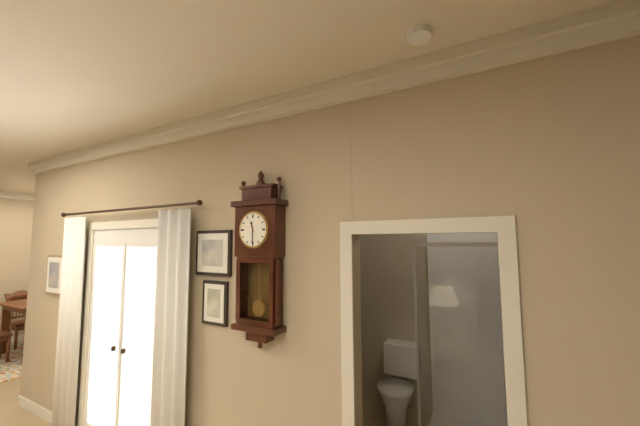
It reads {"hour": 11, "minute": 30}
